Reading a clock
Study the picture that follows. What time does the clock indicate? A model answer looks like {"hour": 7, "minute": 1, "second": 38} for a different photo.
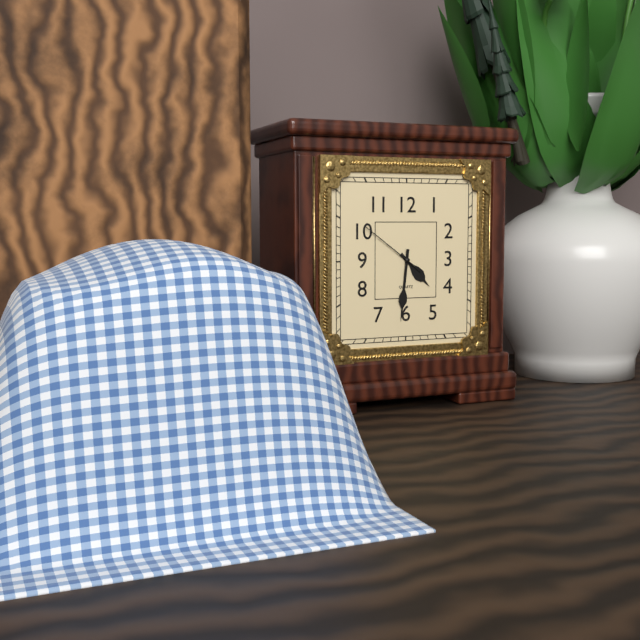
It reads {"hour": 4, "minute": 31, "second": 51}
